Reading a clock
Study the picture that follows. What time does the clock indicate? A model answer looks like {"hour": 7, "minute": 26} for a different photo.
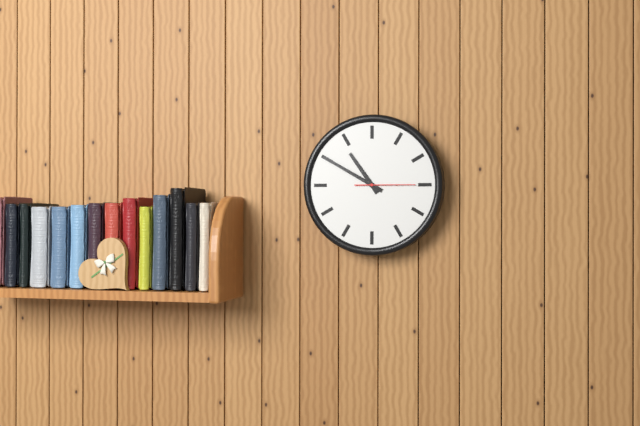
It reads {"hour": 10, "minute": 50}
